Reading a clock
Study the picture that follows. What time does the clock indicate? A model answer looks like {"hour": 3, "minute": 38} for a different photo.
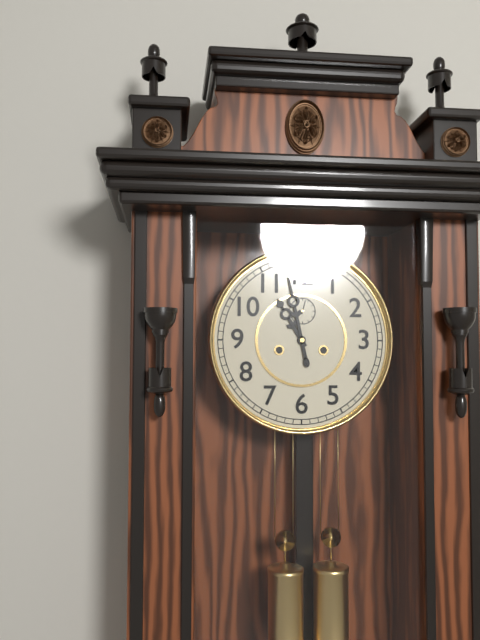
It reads {"hour": 10, "minute": 58}
